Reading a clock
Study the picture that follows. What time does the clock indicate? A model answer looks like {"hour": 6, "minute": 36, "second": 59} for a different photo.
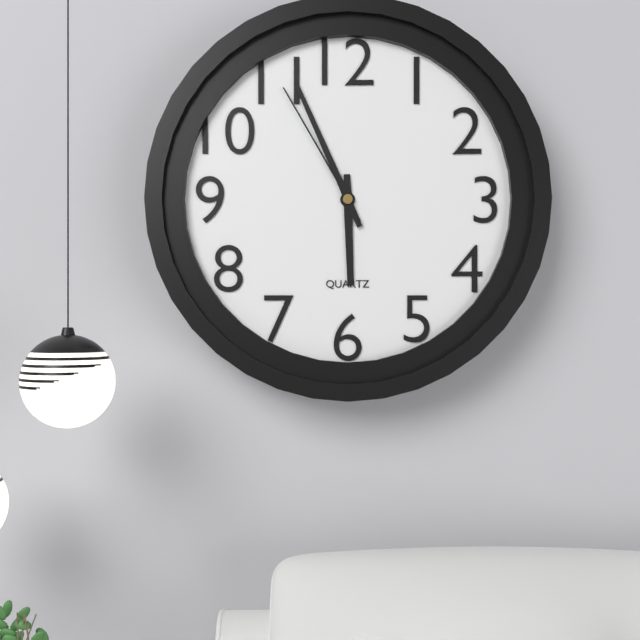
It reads {"hour": 5, "minute": 56, "second": 55}
